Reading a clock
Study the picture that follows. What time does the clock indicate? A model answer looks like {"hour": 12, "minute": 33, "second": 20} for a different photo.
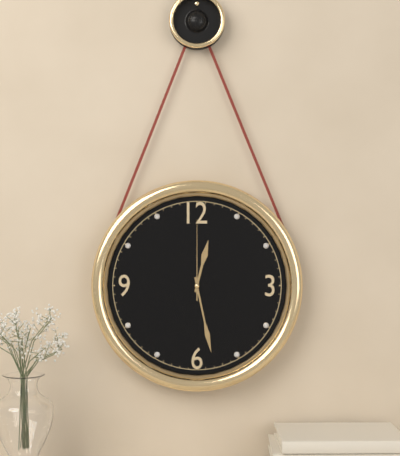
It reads {"hour": 12, "minute": 28, "second": 0}
